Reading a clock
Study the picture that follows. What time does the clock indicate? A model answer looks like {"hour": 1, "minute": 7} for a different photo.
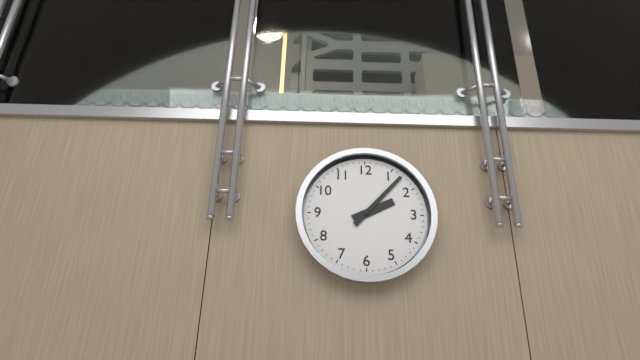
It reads {"hour": 2, "minute": 7}
